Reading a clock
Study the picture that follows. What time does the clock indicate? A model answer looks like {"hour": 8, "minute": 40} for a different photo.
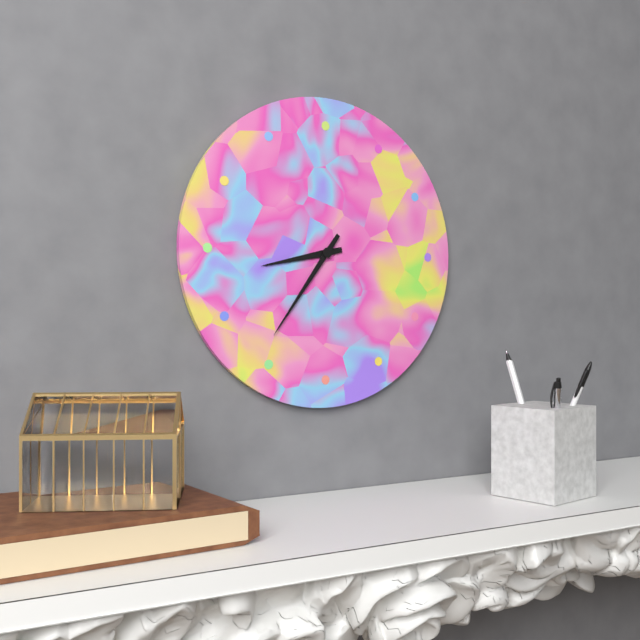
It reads {"hour": 8, "minute": 36}
